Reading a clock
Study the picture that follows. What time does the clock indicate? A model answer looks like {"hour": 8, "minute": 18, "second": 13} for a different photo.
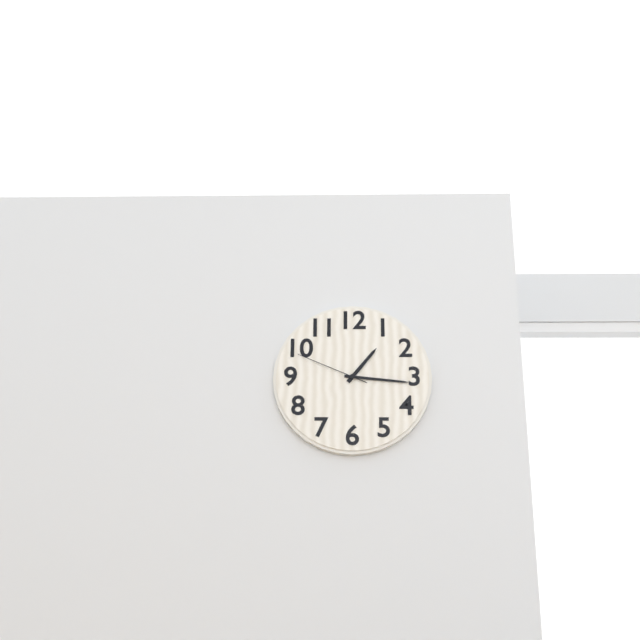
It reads {"hour": 1, "minute": 16, "second": 49}
